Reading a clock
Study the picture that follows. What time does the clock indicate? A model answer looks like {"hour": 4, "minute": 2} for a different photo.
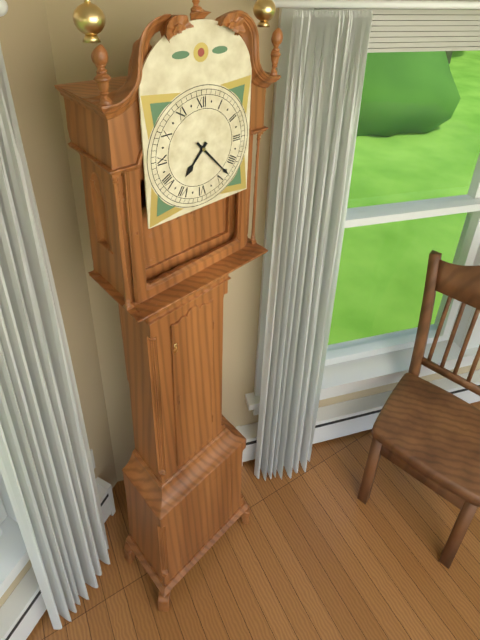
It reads {"hour": 7, "minute": 23}
